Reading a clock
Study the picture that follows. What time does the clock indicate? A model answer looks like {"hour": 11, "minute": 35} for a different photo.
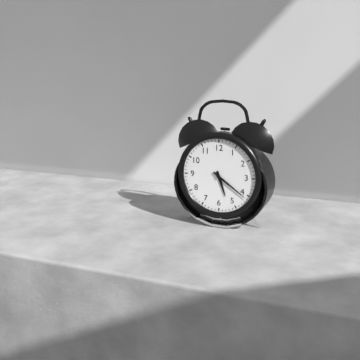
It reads {"hour": 5, "minute": 21}
